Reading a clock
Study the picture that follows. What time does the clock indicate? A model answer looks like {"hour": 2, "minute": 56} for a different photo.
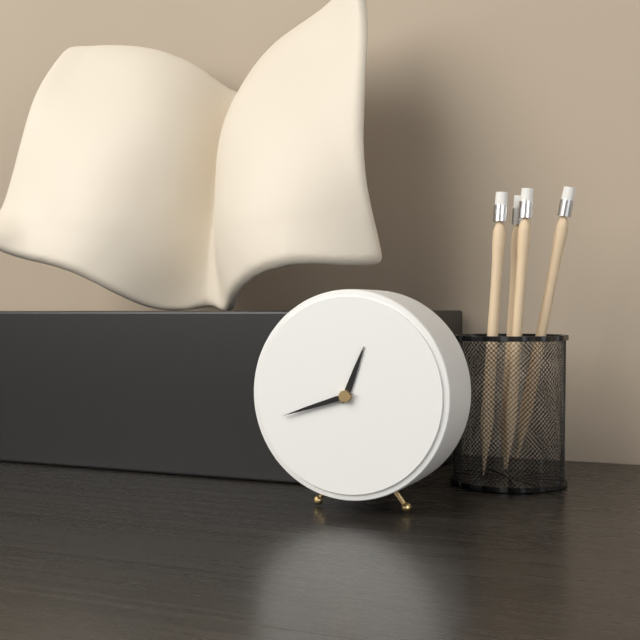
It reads {"hour": 12, "minute": 42}
